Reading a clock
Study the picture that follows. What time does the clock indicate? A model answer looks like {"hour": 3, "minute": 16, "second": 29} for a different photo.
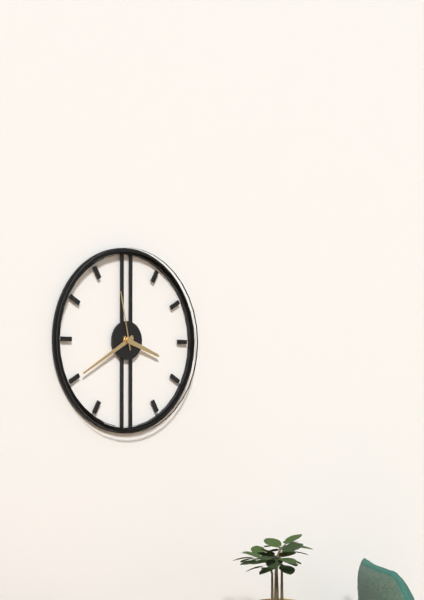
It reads {"hour": 3, "minute": 40, "second": 58}
